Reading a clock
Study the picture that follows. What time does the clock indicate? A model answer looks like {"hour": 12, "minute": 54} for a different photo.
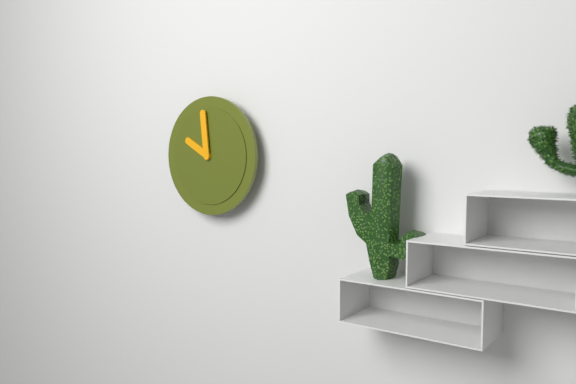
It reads {"hour": 9, "minute": 59}
